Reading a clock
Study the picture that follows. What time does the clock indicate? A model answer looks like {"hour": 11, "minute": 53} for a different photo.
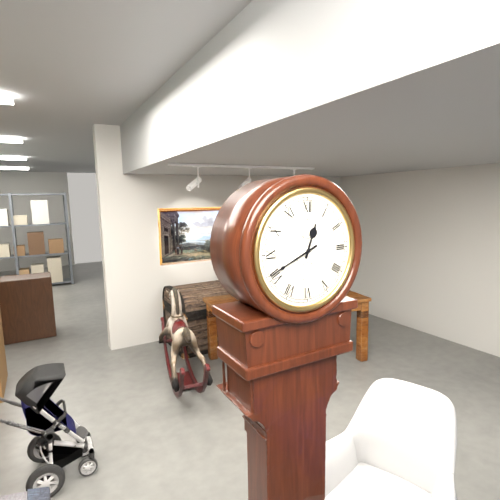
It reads {"hour": 12, "minute": 41}
